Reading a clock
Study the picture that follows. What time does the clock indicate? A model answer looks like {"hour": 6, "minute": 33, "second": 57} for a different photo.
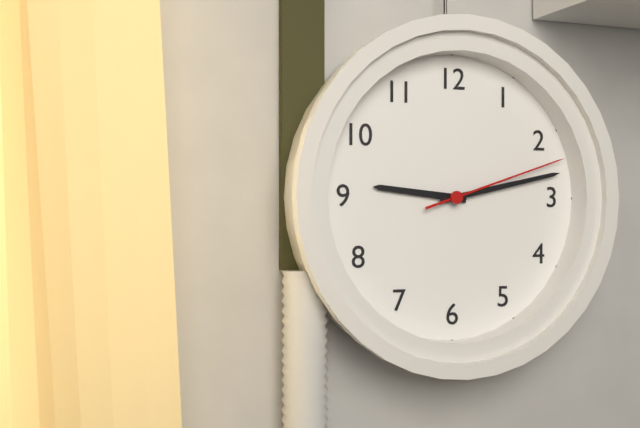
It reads {"hour": 9, "minute": 13, "second": 12}
